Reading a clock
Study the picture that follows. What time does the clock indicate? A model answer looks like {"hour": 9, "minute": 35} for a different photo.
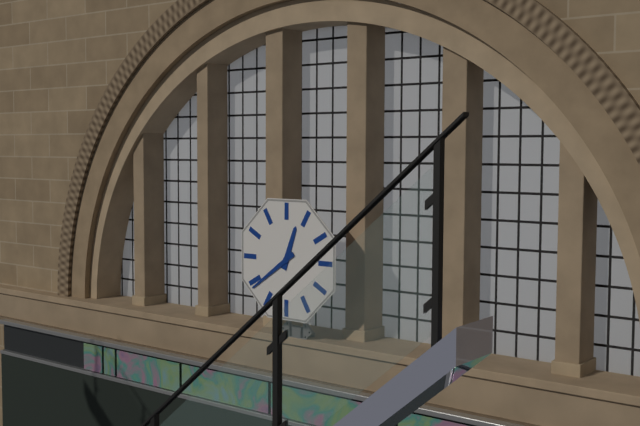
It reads {"hour": 12, "minute": 39}
